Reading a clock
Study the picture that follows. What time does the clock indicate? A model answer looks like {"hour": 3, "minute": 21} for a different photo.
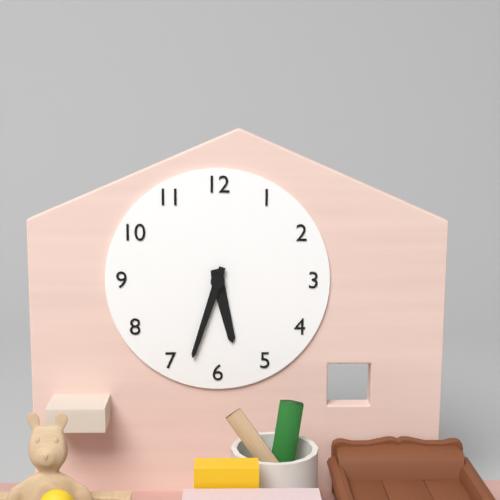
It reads {"hour": 5, "minute": 33}
